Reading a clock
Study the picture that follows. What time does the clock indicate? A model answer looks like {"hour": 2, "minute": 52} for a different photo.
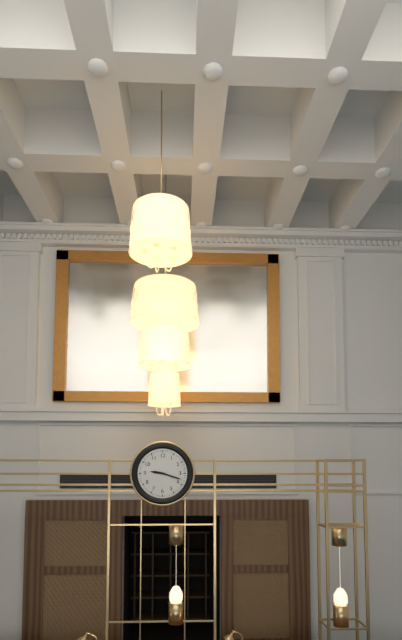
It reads {"hour": 9, "minute": 18}
